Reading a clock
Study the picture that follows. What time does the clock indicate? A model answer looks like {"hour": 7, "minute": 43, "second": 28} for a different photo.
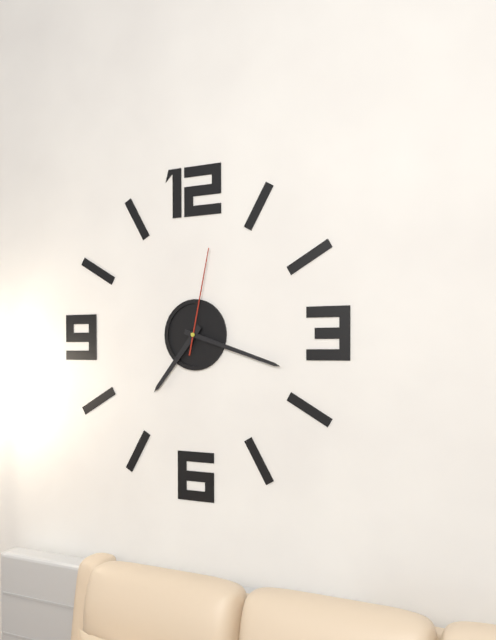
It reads {"hour": 7, "minute": 18, "second": 2}
